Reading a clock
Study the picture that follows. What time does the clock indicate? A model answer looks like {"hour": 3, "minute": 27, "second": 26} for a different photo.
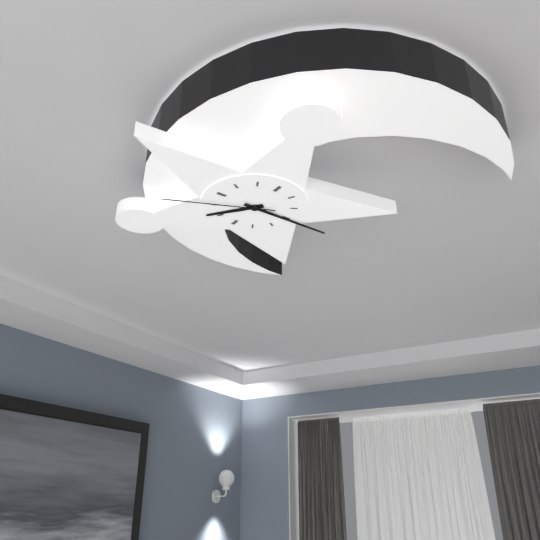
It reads {"hour": 7, "minute": 15, "second": 41}
